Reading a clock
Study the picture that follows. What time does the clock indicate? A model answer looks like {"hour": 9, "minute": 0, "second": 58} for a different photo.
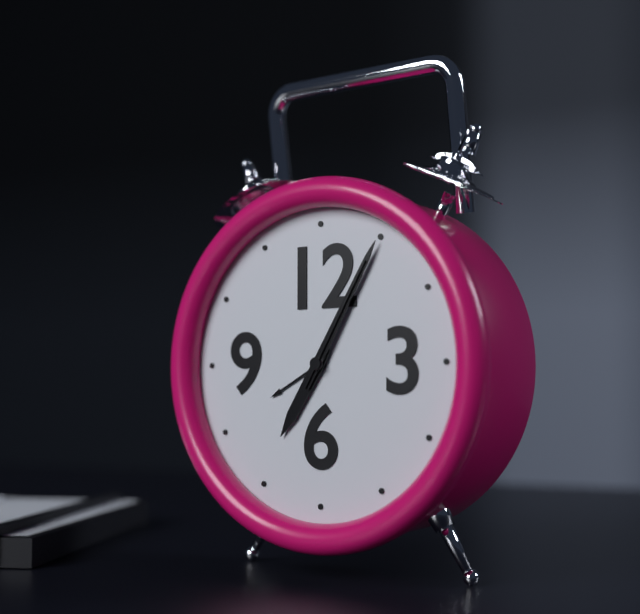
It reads {"hour": 7, "minute": 5, "second": 5}
